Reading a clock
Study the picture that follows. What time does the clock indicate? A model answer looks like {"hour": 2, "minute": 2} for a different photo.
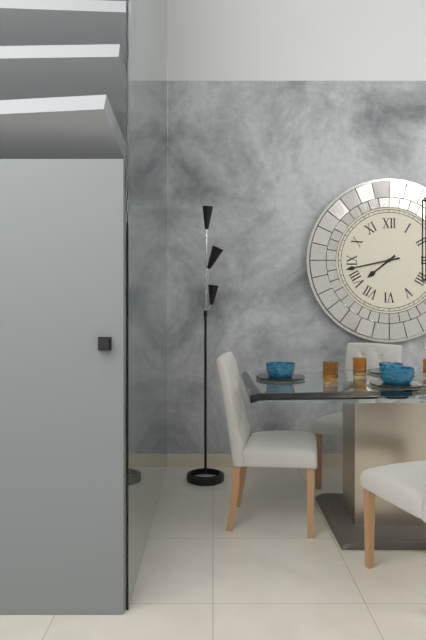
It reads {"hour": 7, "minute": 43}
